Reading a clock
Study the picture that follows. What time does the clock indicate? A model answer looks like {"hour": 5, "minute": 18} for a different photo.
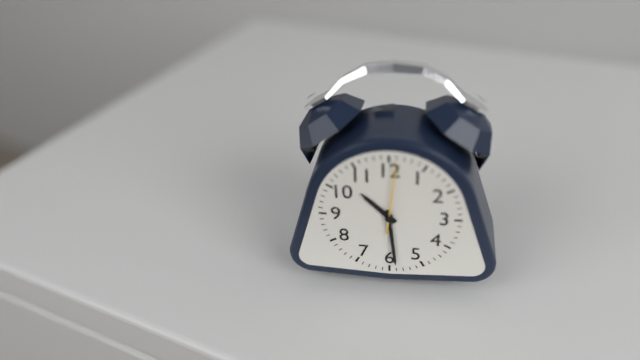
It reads {"hour": 10, "minute": 29}
